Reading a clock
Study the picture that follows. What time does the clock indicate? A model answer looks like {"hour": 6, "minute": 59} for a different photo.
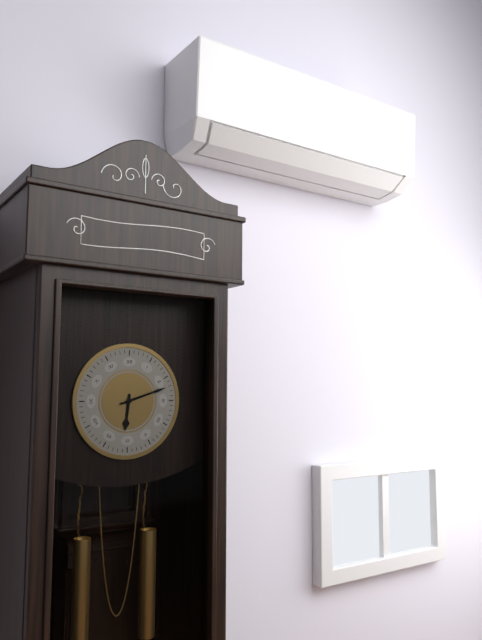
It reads {"hour": 6, "minute": 12}
